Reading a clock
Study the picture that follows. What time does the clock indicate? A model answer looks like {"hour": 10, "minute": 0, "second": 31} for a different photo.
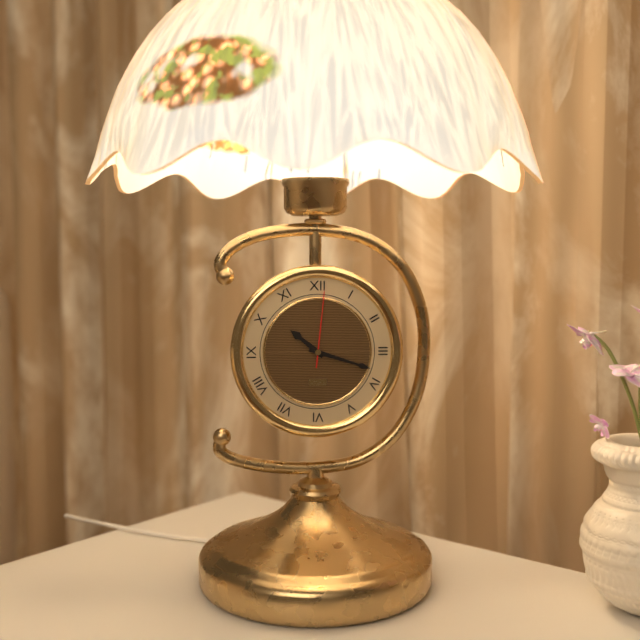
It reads {"hour": 10, "minute": 18, "second": 1}
